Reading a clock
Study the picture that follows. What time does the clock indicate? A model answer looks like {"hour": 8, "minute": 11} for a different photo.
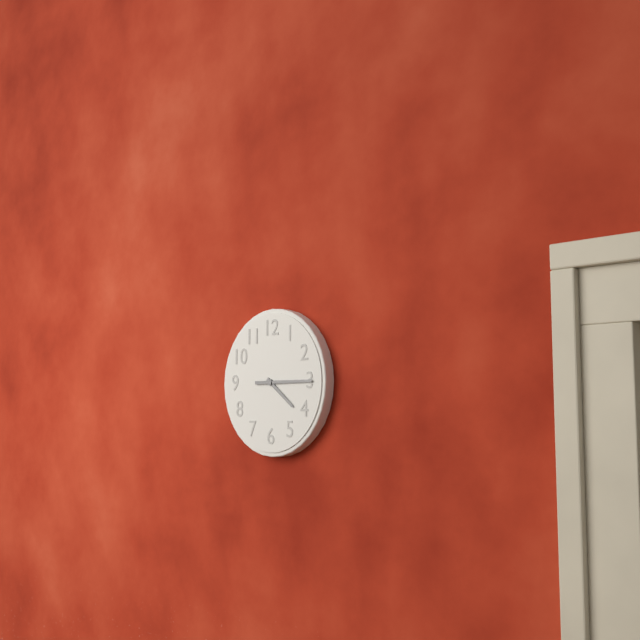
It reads {"hour": 4, "minute": 15}
